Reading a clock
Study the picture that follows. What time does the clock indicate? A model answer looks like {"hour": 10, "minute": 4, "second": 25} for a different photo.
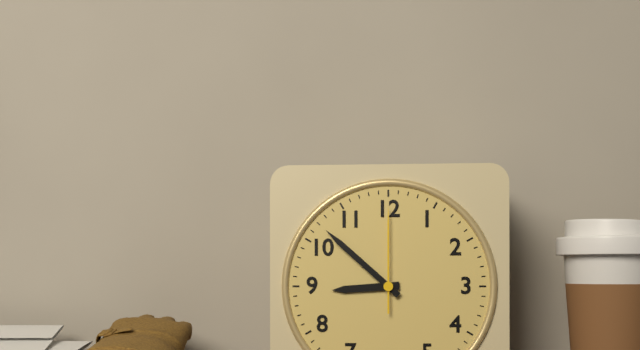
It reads {"hour": 8, "minute": 52, "second": 0}
